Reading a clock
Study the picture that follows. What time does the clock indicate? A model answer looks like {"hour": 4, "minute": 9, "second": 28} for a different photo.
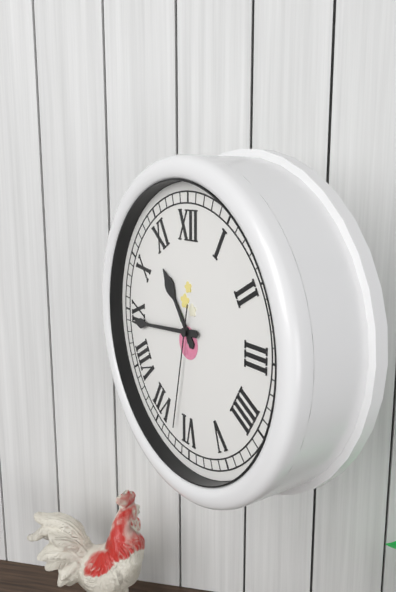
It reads {"hour": 10, "minute": 44, "second": 32}
